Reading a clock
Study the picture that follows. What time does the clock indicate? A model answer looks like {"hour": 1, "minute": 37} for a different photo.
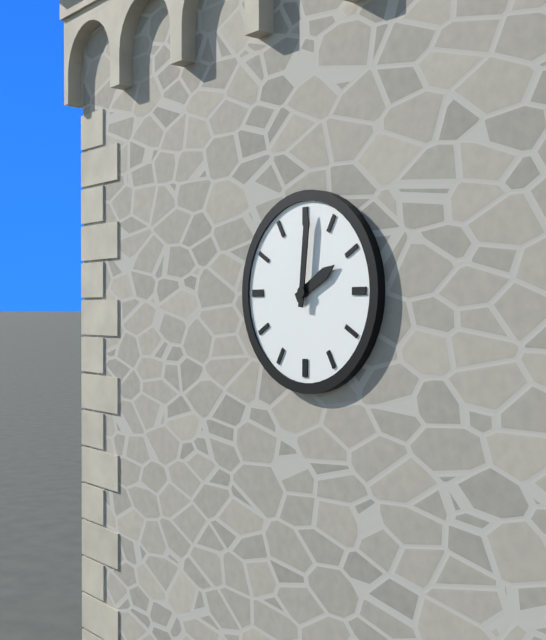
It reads {"hour": 2, "minute": 1}
